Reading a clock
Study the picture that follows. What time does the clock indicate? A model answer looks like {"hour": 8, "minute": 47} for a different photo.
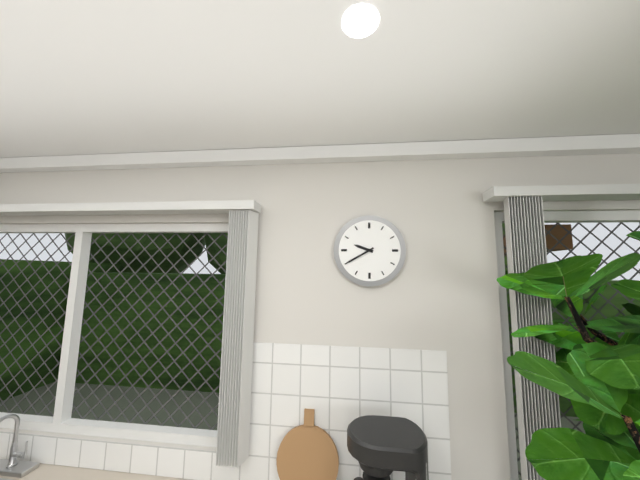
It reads {"hour": 9, "minute": 40}
